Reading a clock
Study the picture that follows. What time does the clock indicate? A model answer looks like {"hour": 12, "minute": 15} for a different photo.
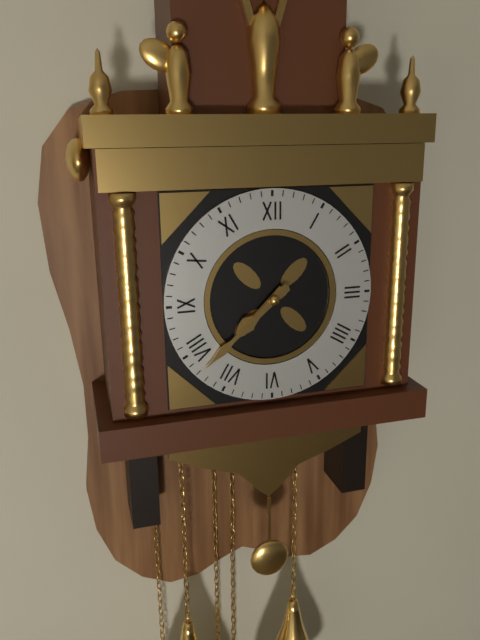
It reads {"hour": 7, "minute": 38}
